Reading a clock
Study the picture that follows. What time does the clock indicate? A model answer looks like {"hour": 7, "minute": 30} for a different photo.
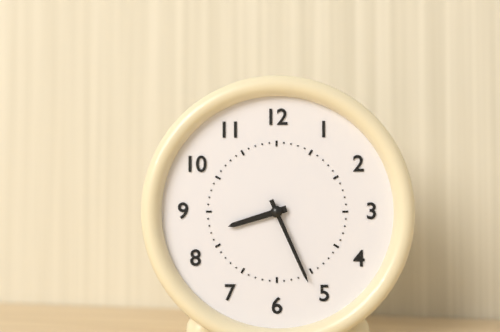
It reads {"hour": 8, "minute": 26}
